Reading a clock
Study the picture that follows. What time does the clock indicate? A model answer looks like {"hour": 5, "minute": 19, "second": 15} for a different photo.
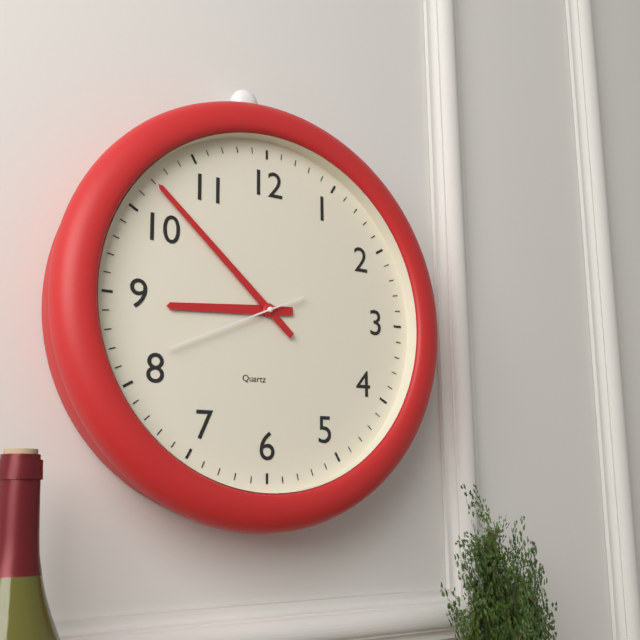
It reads {"hour": 8, "minute": 52, "second": 41}
